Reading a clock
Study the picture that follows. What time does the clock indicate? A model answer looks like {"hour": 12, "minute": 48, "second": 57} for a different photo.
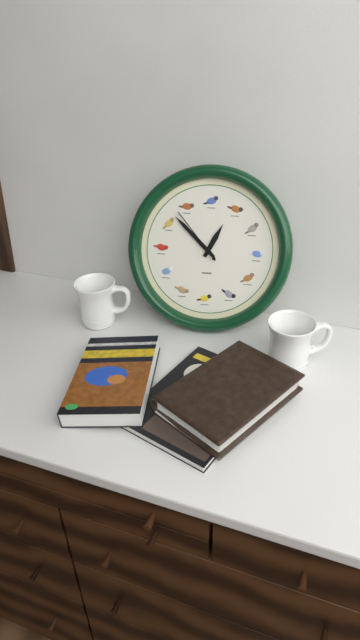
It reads {"hour": 12, "minute": 52, "second": 53}
